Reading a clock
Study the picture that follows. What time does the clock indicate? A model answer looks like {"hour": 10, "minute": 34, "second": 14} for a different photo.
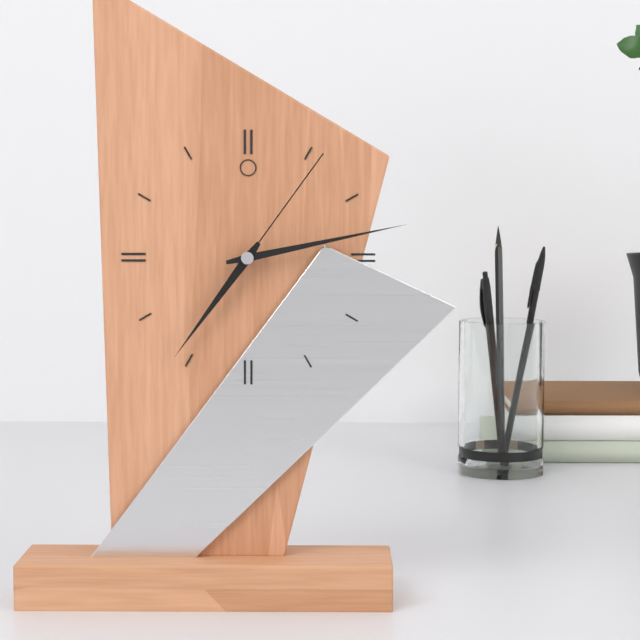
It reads {"hour": 7, "minute": 13, "second": 6}
